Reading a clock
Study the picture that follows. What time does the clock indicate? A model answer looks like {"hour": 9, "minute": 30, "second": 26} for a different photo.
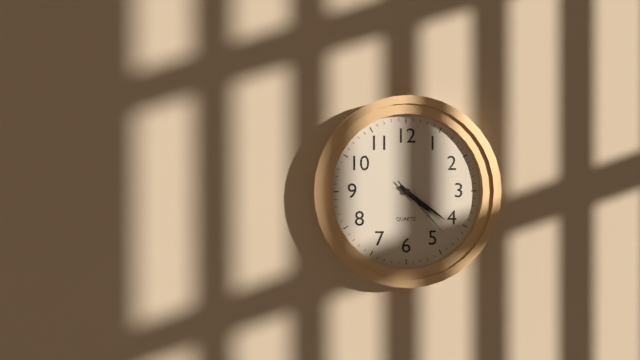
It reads {"hour": 4, "minute": 21, "second": 23}
